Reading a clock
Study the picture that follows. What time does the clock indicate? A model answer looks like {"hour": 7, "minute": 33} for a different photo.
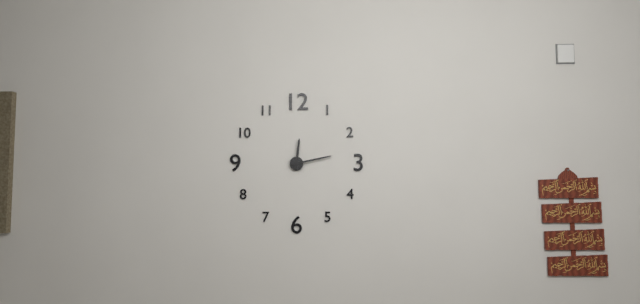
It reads {"hour": 12, "minute": 13}
